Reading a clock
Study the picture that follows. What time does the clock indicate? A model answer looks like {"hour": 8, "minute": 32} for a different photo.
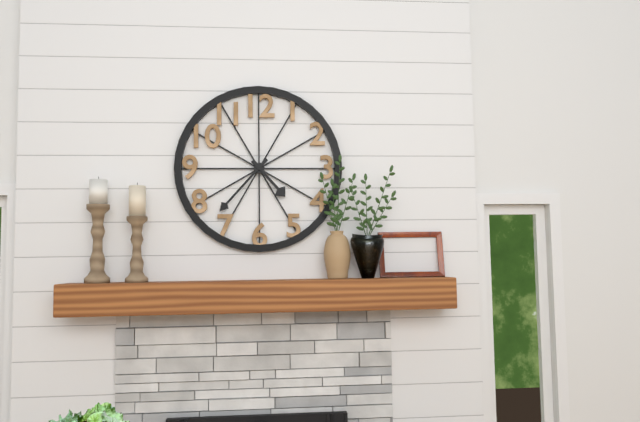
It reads {"hour": 4, "minute": 37}
